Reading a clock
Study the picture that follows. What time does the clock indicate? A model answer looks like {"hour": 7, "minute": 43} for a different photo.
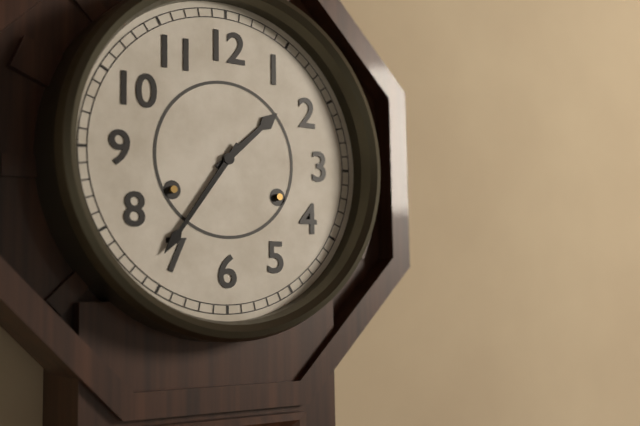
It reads {"hour": 1, "minute": 36}
